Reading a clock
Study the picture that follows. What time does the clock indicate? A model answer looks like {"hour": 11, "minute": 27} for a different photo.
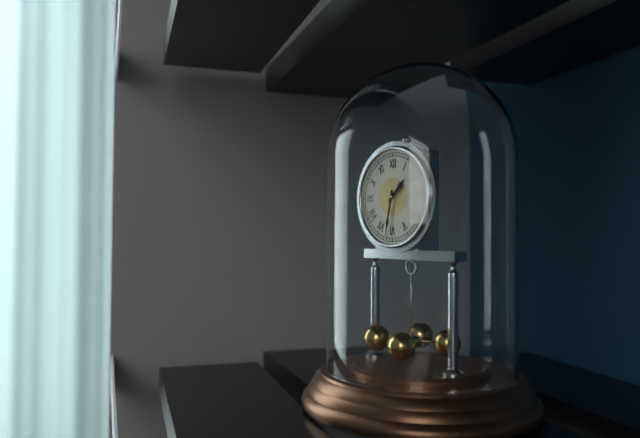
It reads {"hour": 1, "minute": 32}
